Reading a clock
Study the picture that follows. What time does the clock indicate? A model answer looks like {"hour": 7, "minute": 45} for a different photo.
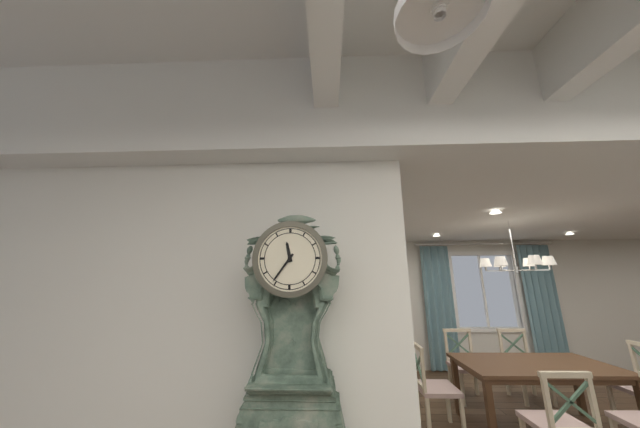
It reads {"hour": 11, "minute": 36}
